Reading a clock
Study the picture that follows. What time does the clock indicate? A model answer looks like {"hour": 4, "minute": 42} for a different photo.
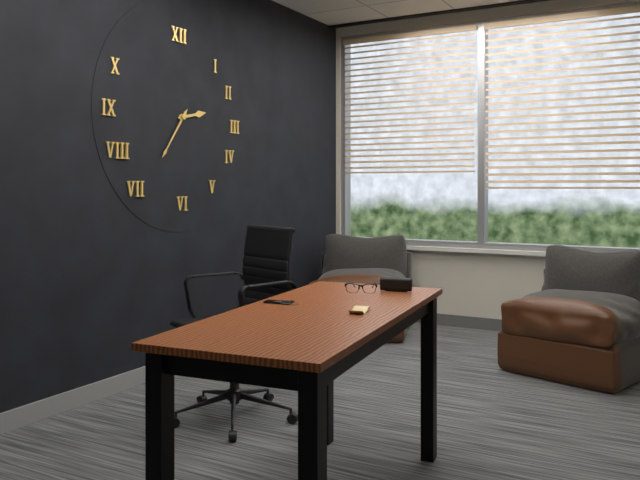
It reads {"hour": 2, "minute": 36}
